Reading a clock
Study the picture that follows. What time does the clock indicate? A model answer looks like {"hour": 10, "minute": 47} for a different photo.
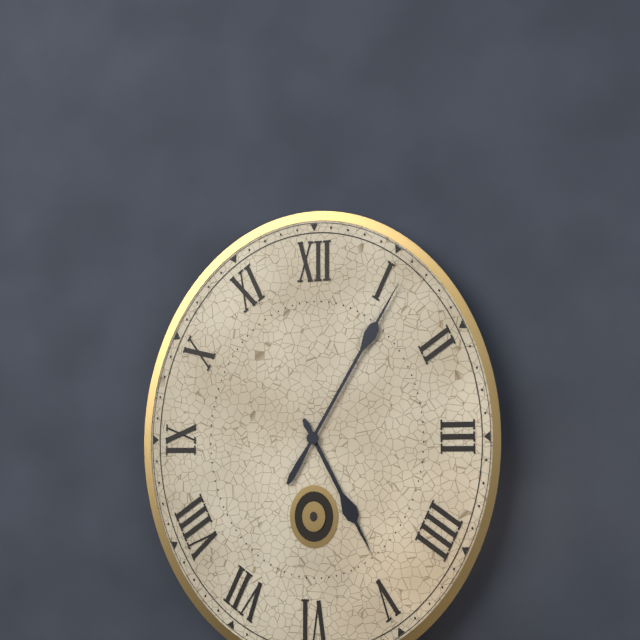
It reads {"hour": 5, "minute": 5}
